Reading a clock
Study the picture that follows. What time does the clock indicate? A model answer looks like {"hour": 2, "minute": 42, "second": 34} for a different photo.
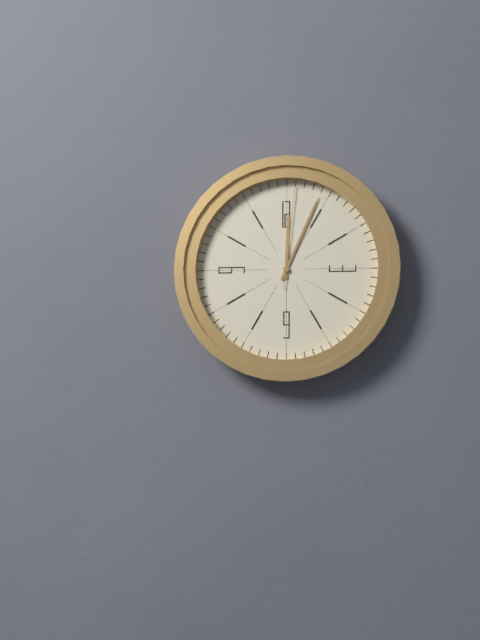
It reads {"hour": 12, "minute": 4, "second": 1}
